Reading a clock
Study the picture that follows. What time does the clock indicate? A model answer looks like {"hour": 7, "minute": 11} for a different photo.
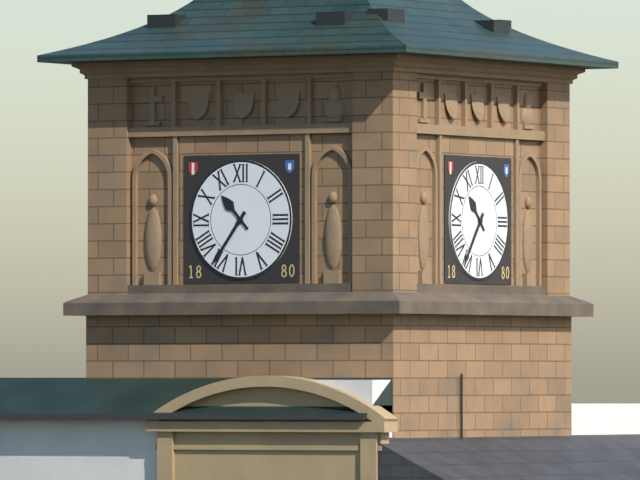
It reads {"hour": 10, "minute": 36}
